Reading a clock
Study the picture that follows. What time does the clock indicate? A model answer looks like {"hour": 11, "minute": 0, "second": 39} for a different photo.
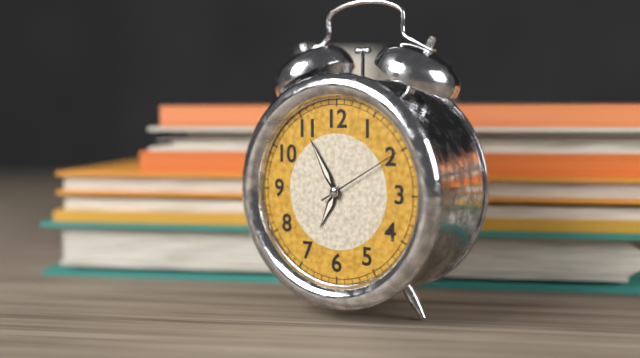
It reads {"hour": 6, "minute": 55, "second": 10}
